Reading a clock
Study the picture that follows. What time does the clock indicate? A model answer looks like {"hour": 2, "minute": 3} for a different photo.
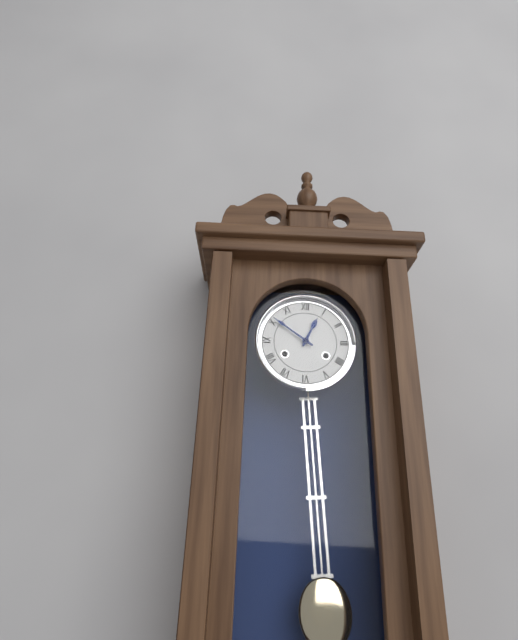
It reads {"hour": 12, "minute": 51}
